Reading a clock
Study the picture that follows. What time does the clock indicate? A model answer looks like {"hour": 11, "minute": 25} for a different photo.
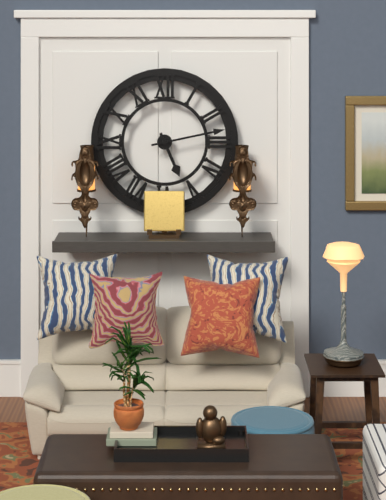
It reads {"hour": 5, "minute": 13}
